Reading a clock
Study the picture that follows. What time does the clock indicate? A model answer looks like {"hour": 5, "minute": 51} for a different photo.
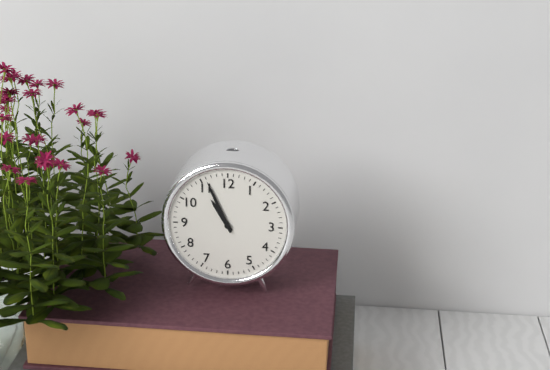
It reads {"hour": 10, "minute": 56}
